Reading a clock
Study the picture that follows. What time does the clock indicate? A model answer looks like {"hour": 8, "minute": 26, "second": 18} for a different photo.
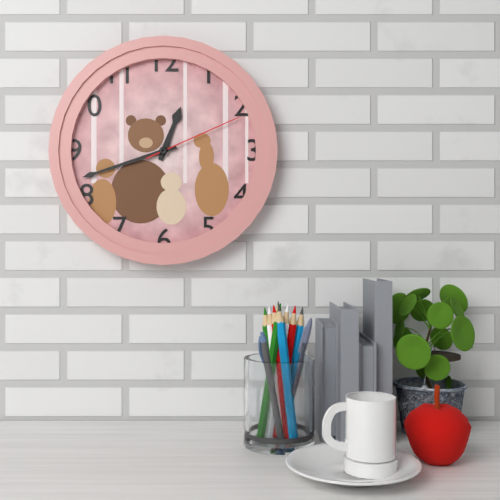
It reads {"hour": 12, "minute": 42, "second": 11}
